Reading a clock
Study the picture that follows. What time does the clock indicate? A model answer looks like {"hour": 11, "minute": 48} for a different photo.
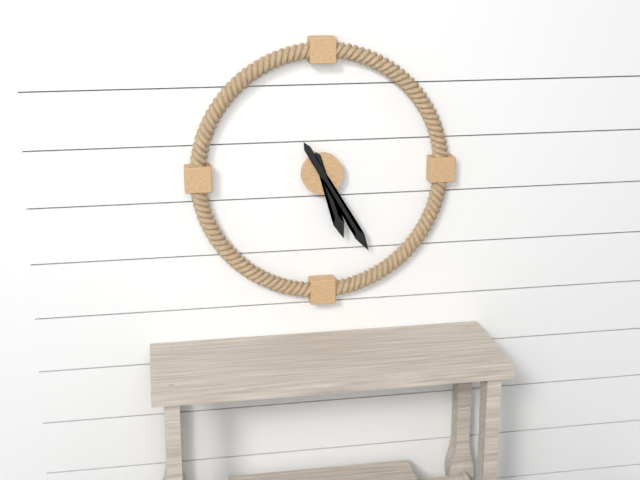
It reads {"hour": 5, "minute": 25}
